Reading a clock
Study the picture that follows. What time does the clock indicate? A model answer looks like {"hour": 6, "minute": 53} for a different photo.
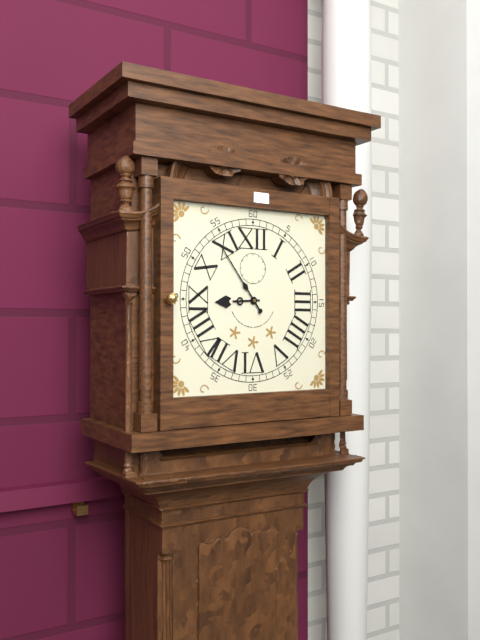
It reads {"hour": 8, "minute": 54}
